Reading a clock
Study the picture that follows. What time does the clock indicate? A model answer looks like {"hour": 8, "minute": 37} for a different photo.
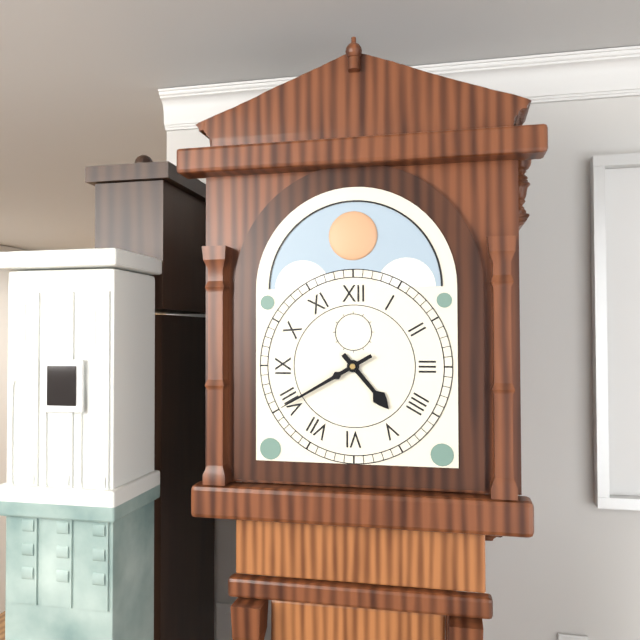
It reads {"hour": 4, "minute": 40}
